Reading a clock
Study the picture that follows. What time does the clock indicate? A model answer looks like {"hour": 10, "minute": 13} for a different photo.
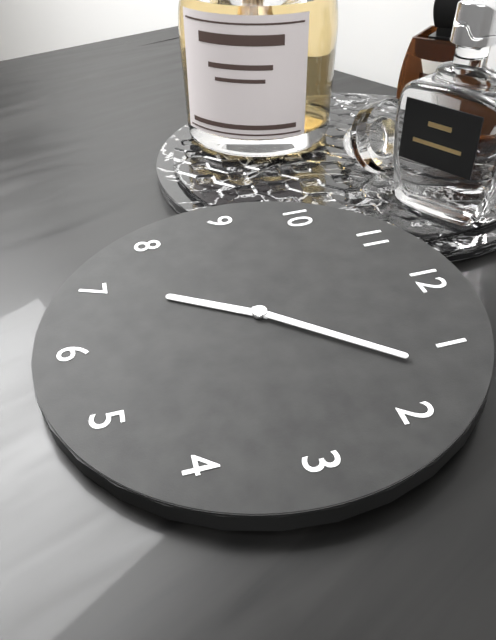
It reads {"hour": 7, "minute": 7}
